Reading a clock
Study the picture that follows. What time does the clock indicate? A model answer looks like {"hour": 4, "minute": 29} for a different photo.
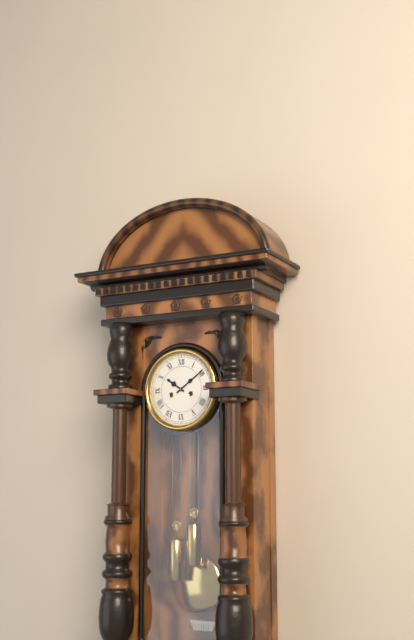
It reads {"hour": 10, "minute": 9}
